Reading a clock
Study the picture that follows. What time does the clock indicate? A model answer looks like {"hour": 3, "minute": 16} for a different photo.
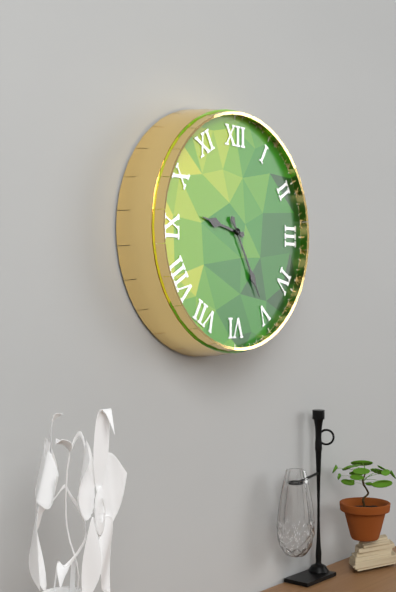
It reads {"hour": 9, "minute": 25}
